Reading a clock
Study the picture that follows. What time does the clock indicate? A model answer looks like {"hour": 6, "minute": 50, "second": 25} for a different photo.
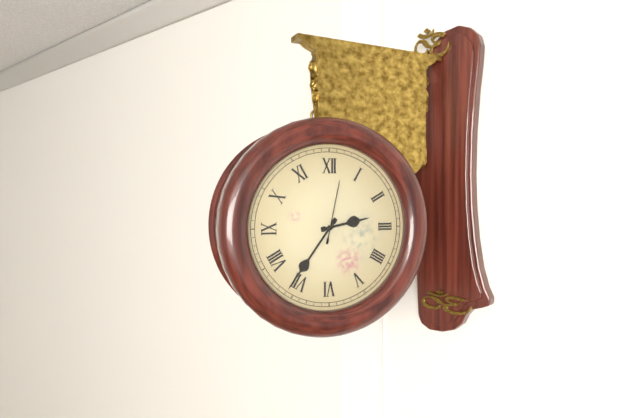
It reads {"hour": 2, "minute": 36, "second": 2}
